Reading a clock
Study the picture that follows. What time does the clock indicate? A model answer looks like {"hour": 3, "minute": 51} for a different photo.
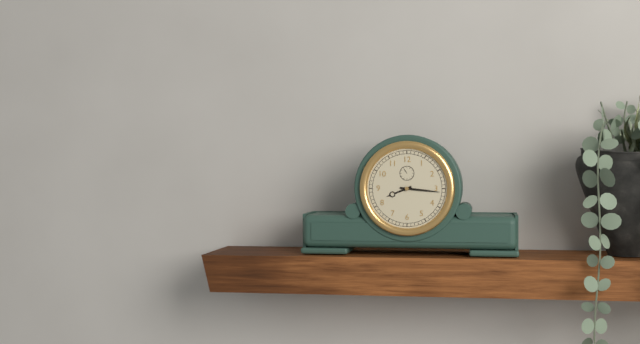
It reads {"hour": 8, "minute": 16}
